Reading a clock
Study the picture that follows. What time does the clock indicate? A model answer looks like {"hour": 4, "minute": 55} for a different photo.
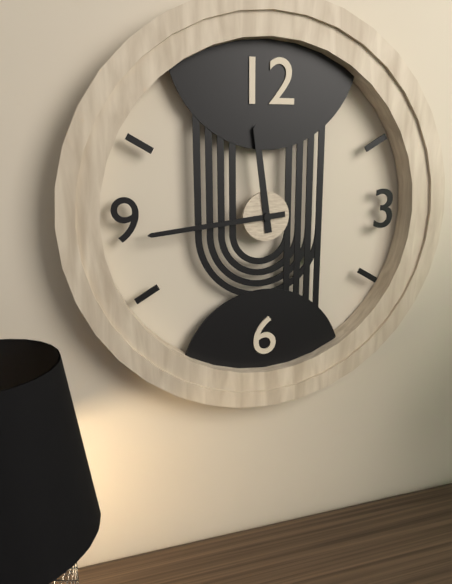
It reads {"hour": 11, "minute": 44}
